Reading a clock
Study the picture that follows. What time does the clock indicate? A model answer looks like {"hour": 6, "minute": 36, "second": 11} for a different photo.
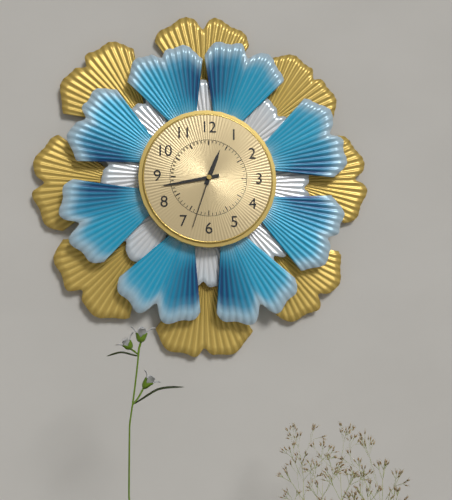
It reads {"hour": 12, "minute": 43, "second": 33}
